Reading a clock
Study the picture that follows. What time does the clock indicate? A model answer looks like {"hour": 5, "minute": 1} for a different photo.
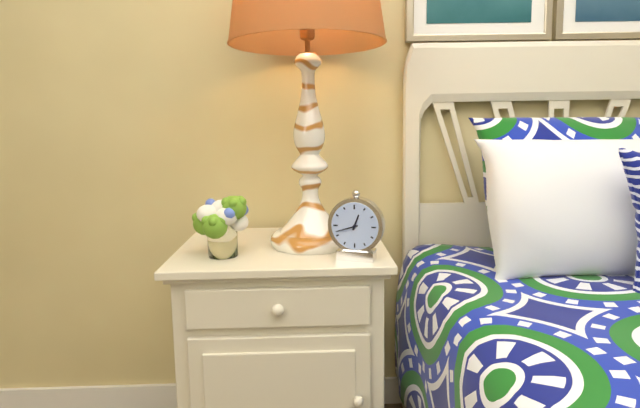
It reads {"hour": 12, "minute": 42}
